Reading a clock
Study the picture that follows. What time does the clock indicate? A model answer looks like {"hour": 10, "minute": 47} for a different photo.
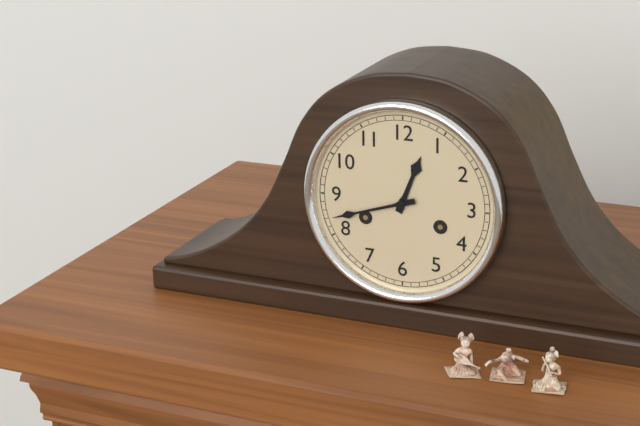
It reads {"hour": 12, "minute": 42}
